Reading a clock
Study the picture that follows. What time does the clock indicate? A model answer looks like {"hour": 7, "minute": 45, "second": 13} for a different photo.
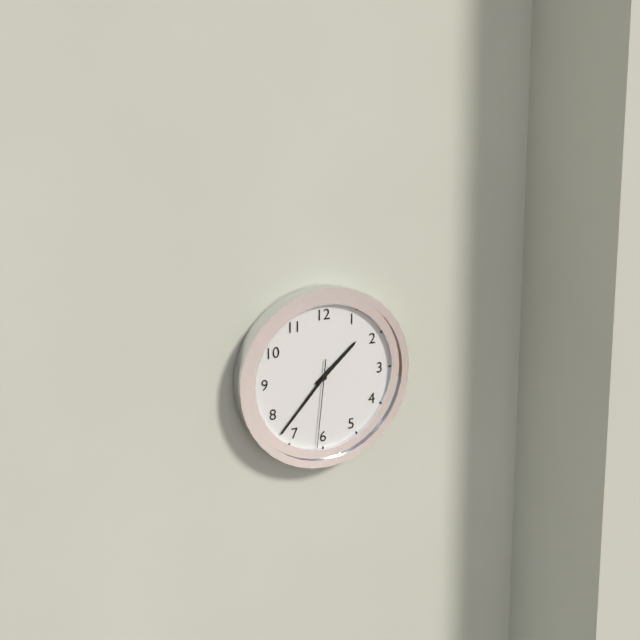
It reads {"hour": 1, "minute": 37, "second": 31}
